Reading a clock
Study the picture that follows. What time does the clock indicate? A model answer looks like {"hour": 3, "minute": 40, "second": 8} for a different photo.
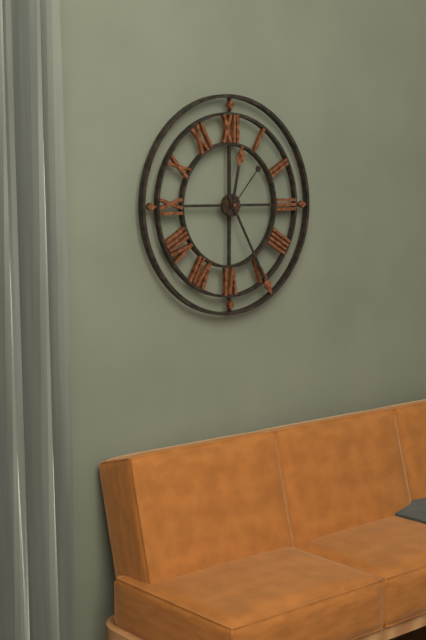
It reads {"hour": 12, "minute": 25, "second": 7}
